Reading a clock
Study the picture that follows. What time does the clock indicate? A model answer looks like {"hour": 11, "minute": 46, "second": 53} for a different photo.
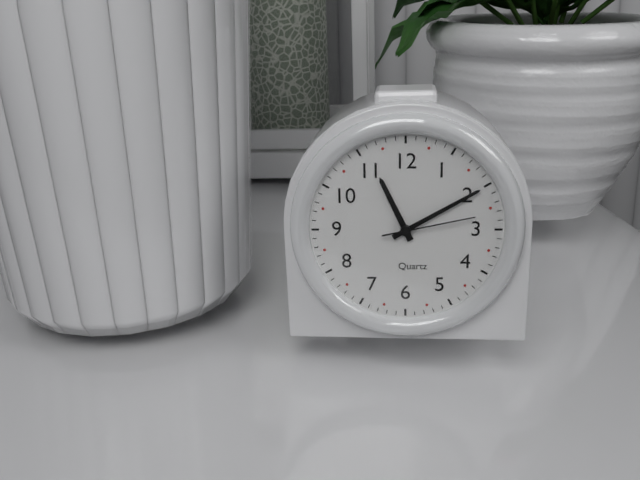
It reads {"hour": 11, "minute": 10, "second": 13}
